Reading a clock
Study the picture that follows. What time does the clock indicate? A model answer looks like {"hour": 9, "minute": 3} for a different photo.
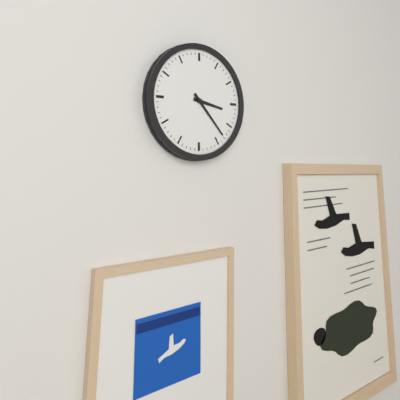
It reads {"hour": 3, "minute": 23}
